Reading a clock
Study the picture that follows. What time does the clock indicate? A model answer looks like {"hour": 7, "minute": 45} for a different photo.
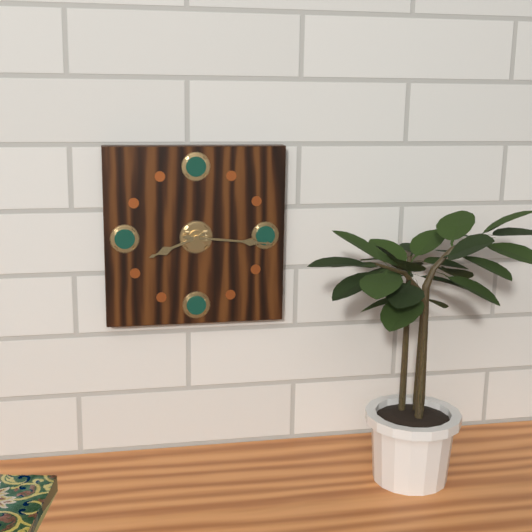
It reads {"hour": 8, "minute": 16}
